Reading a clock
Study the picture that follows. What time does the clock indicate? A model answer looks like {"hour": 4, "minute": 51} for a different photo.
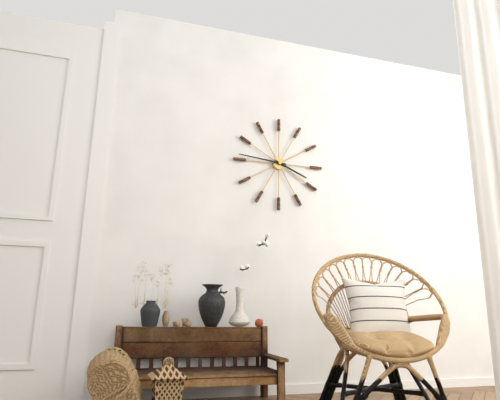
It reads {"hour": 3, "minute": 46}
